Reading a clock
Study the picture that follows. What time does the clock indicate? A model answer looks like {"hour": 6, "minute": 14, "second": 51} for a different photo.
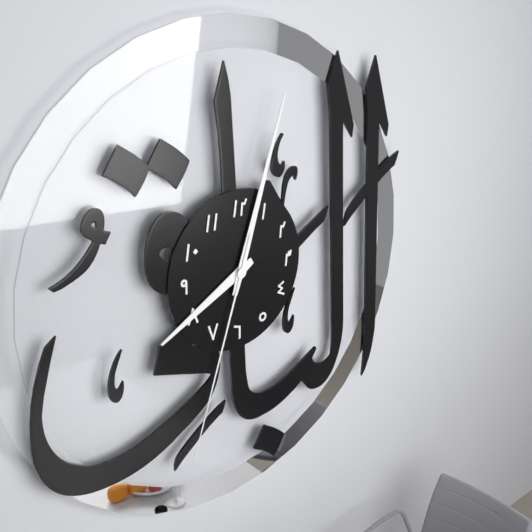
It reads {"hour": 8, "minute": 3, "second": 33}
